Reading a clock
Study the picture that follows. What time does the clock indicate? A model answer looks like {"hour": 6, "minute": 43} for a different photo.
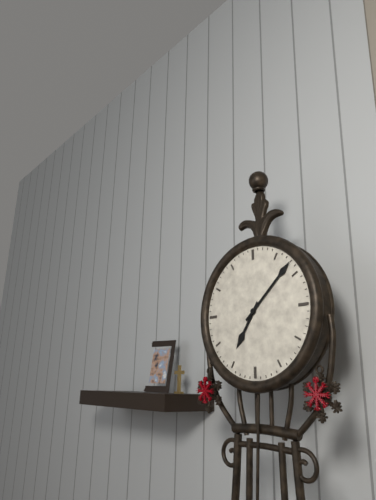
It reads {"hour": 7, "minute": 8}
